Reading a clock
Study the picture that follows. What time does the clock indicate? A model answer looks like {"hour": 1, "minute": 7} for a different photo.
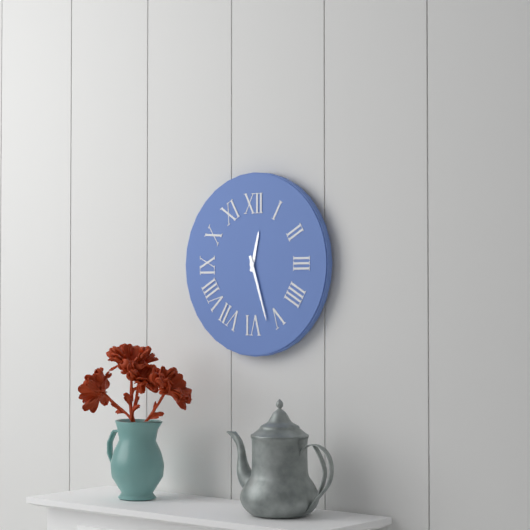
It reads {"hour": 12, "minute": 27}
